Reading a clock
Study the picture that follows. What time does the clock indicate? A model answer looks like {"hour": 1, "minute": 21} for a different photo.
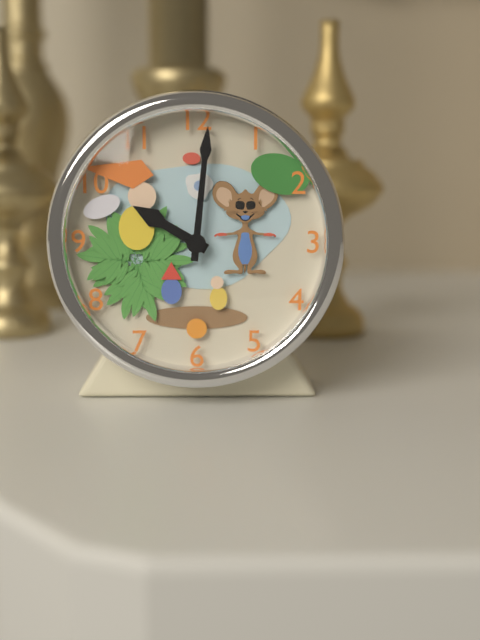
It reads {"hour": 10, "minute": 1}
